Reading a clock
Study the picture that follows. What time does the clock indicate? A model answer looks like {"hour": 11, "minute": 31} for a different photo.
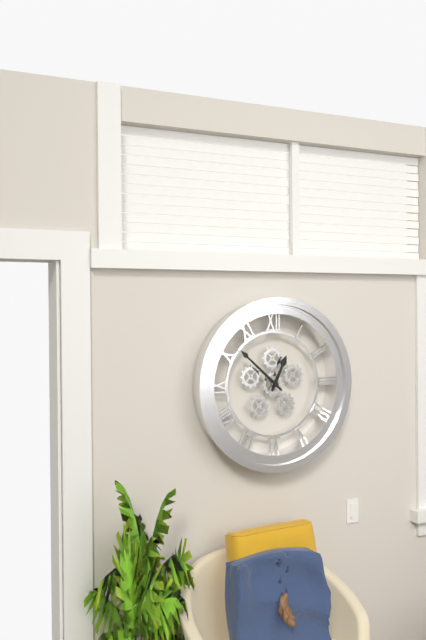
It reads {"hour": 12, "minute": 52}
